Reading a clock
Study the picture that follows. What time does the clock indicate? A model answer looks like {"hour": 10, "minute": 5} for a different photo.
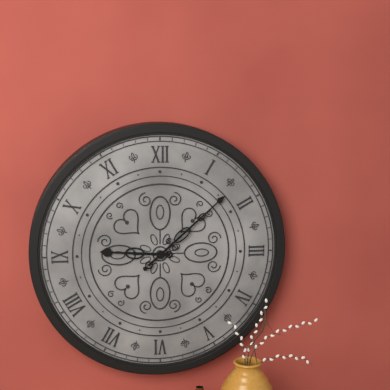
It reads {"hour": 9, "minute": 8}
